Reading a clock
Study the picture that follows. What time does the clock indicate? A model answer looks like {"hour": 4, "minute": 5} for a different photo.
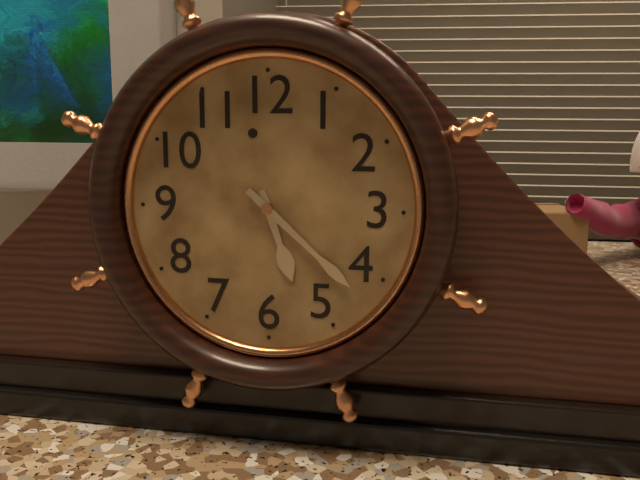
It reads {"hour": 5, "minute": 22}
